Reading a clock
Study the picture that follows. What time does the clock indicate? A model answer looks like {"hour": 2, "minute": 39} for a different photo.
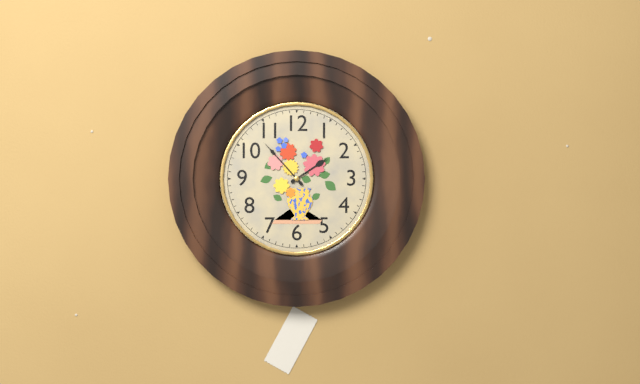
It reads {"hour": 1, "minute": 53}
